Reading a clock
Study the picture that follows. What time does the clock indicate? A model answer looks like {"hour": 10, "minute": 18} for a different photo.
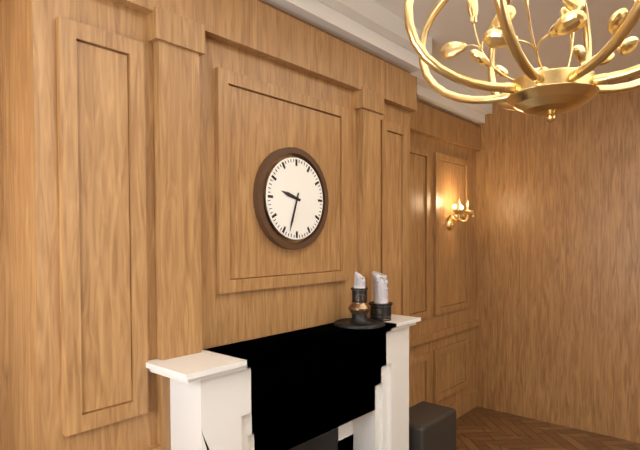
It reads {"hour": 9, "minute": 33}
